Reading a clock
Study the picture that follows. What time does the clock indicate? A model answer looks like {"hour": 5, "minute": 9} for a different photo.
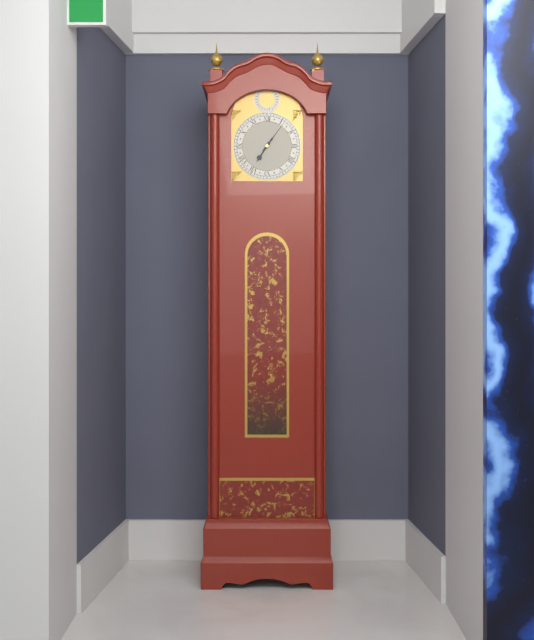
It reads {"hour": 7, "minute": 6}
